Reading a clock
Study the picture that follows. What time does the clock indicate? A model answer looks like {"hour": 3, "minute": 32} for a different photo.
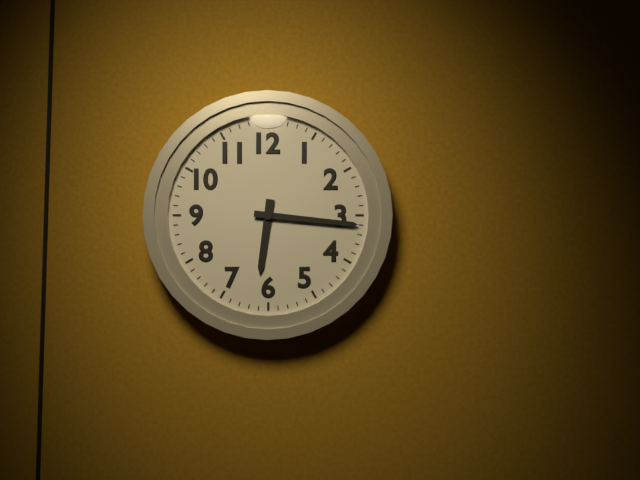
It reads {"hour": 6, "minute": 16}
